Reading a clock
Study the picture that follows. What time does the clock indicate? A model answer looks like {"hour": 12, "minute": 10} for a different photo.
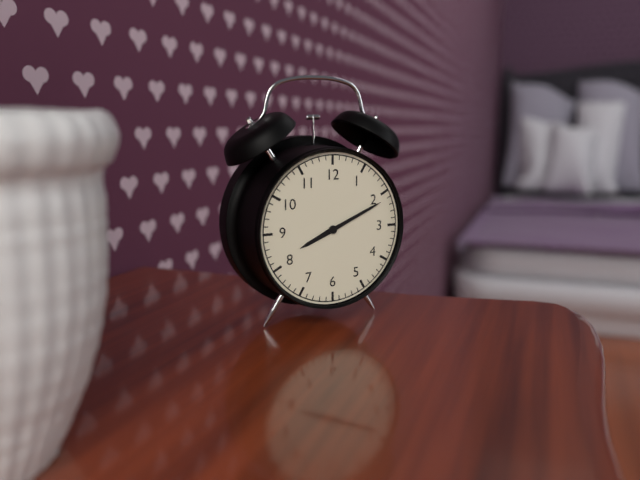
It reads {"hour": 8, "minute": 11}
